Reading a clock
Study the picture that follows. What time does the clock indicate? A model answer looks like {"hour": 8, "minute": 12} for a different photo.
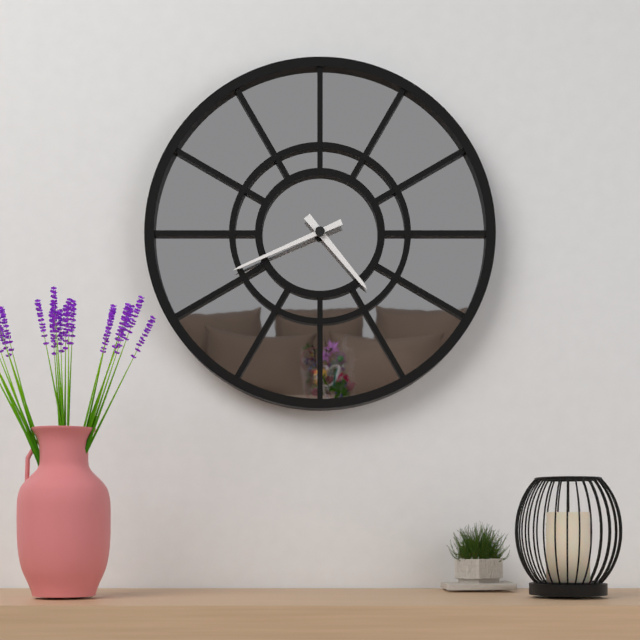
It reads {"hour": 4, "minute": 41}
